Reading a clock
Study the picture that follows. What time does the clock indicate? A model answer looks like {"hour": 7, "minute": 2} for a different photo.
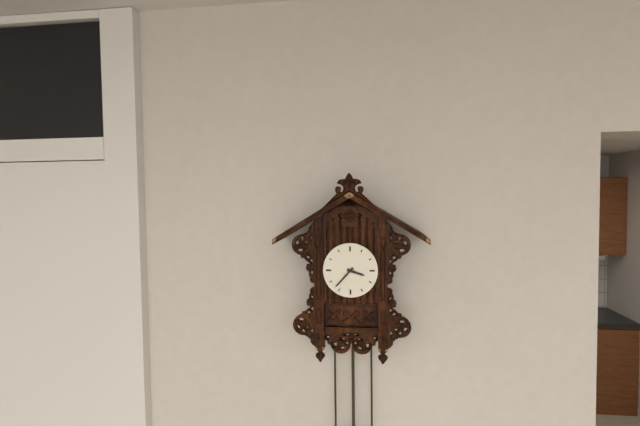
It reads {"hour": 3, "minute": 37}
